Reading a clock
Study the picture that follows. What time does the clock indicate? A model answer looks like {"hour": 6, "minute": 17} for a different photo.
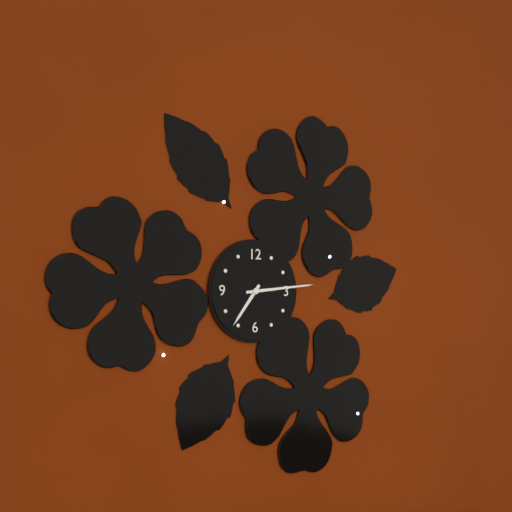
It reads {"hour": 7, "minute": 14}
